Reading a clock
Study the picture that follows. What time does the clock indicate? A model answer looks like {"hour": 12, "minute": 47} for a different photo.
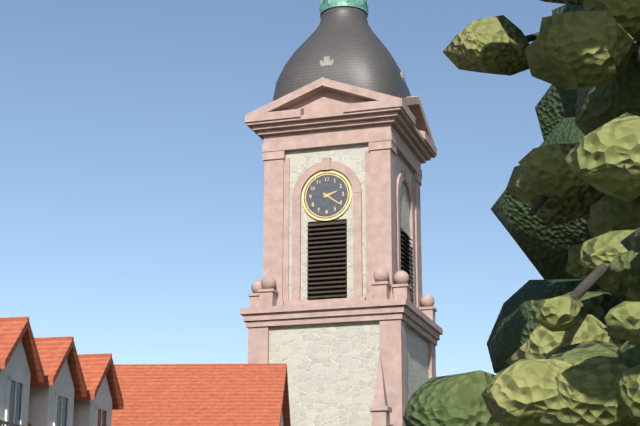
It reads {"hour": 2, "minute": 21}
